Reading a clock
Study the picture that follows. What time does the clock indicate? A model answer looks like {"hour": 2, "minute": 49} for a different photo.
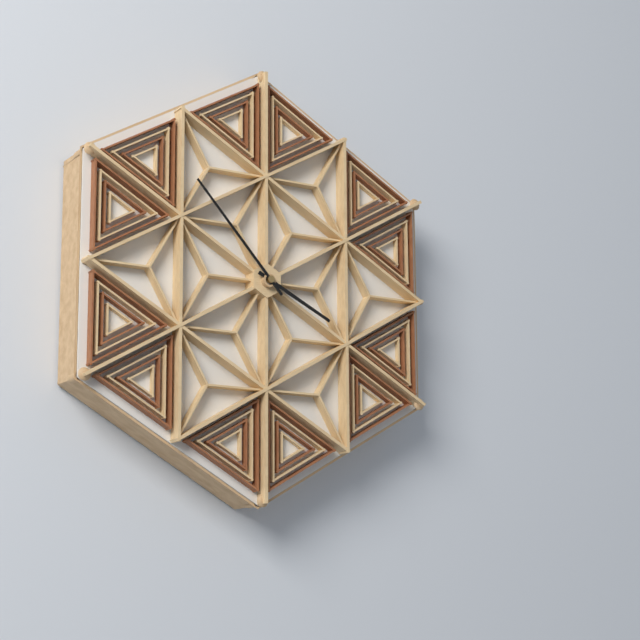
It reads {"hour": 3, "minute": 53}
